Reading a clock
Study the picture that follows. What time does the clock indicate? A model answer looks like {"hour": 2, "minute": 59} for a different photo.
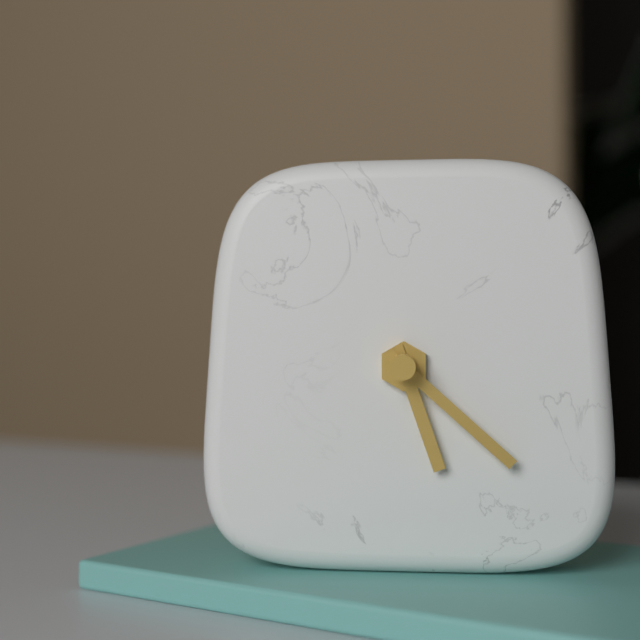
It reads {"hour": 5, "minute": 22}
